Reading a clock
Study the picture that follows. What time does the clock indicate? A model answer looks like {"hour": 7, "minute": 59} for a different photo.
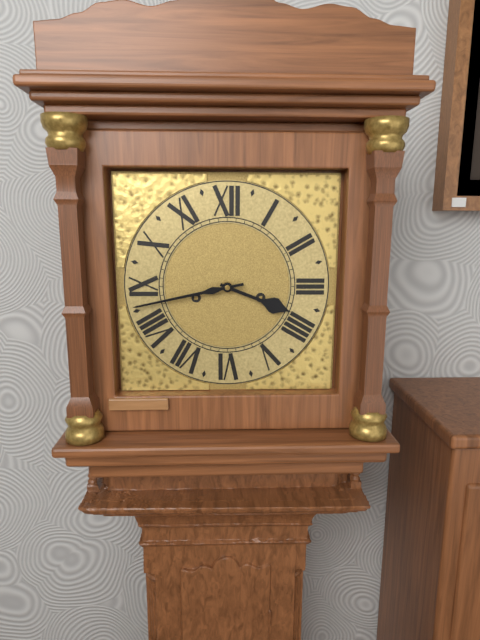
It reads {"hour": 3, "minute": 43}
